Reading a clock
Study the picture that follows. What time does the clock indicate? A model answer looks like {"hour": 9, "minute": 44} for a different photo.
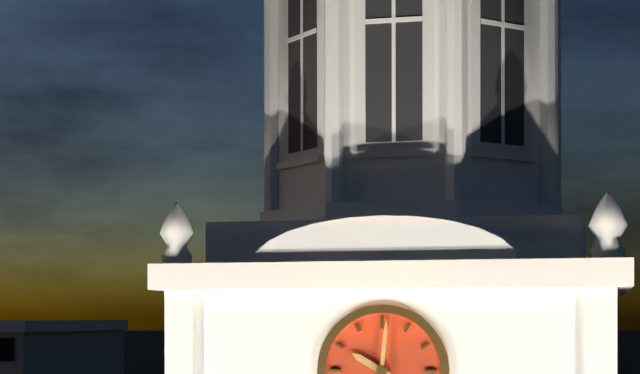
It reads {"hour": 10, "minute": 1}
